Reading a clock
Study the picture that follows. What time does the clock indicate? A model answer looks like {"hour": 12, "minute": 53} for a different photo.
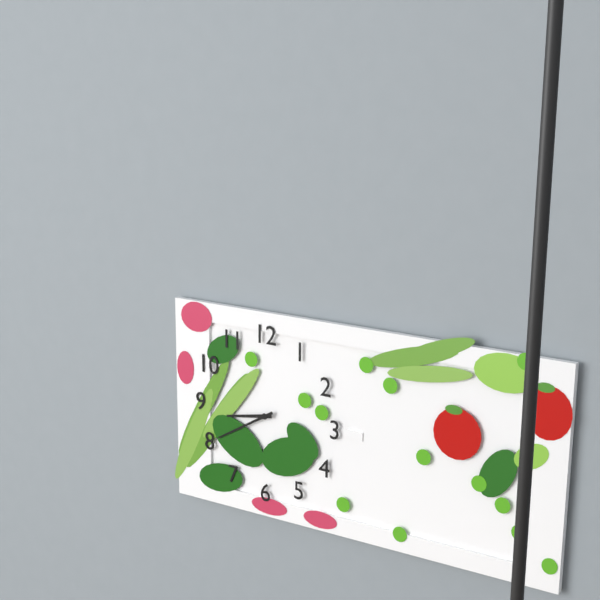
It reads {"hour": 8, "minute": 40}
